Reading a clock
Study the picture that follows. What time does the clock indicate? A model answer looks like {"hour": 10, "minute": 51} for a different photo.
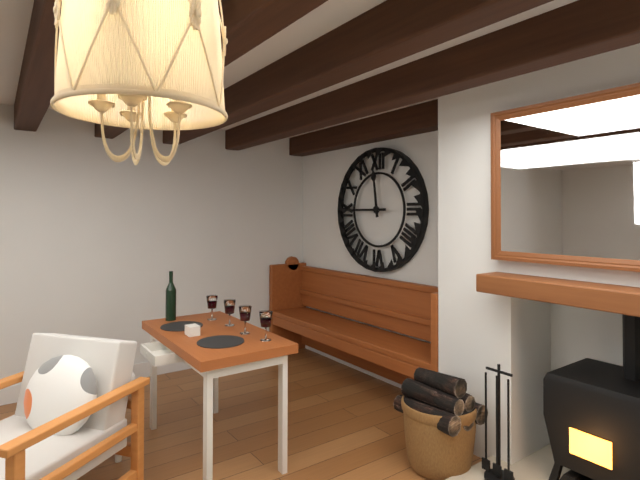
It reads {"hour": 11, "minute": 45}
